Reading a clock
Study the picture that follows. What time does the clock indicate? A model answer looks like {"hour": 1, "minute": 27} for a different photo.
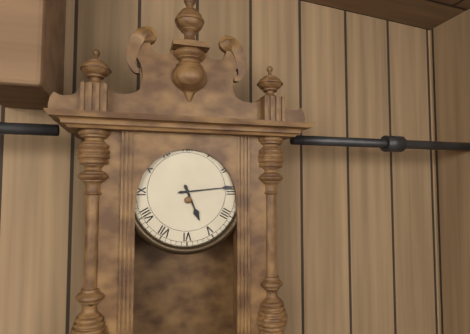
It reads {"hour": 5, "minute": 14}
